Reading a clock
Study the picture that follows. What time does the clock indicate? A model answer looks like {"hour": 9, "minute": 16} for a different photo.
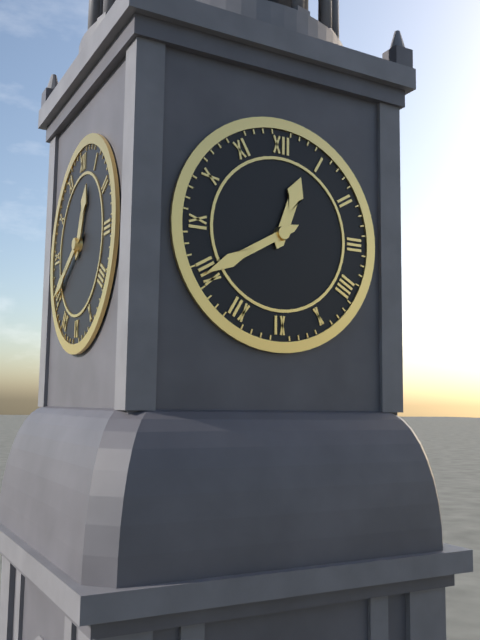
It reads {"hour": 12, "minute": 40}
